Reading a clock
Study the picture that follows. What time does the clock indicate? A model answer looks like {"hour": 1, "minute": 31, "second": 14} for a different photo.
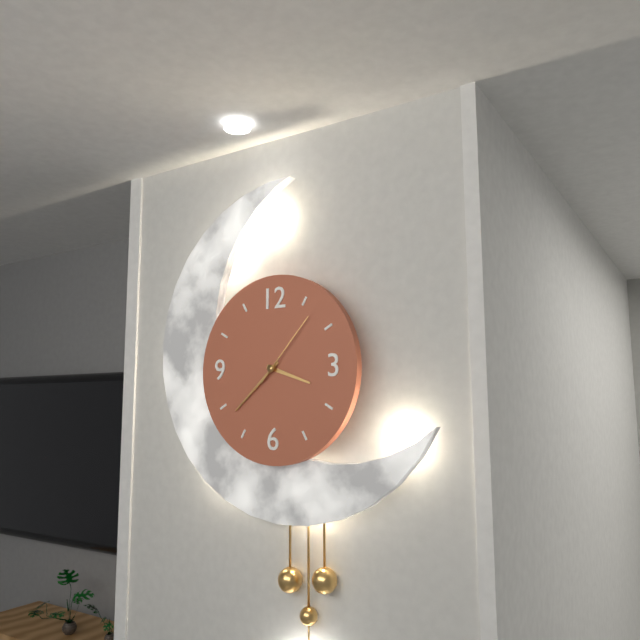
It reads {"hour": 3, "minute": 38, "second": 7}
